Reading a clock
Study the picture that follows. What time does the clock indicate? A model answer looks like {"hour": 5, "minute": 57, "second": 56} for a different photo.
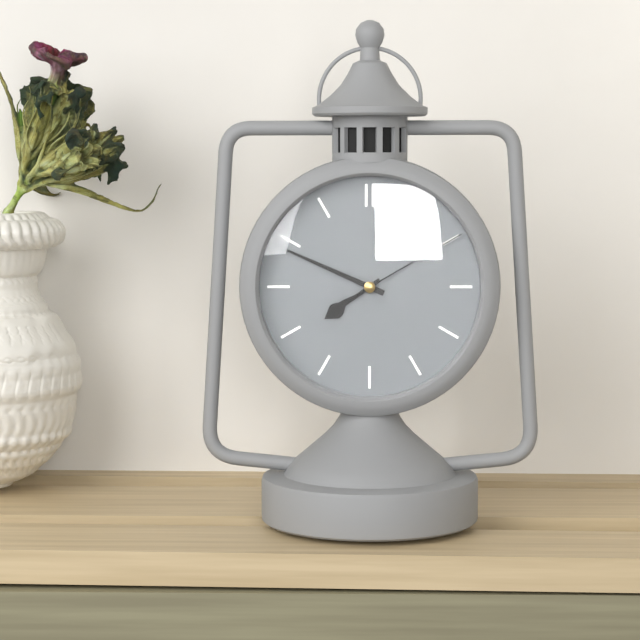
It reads {"hour": 7, "minute": 49, "second": 10}
